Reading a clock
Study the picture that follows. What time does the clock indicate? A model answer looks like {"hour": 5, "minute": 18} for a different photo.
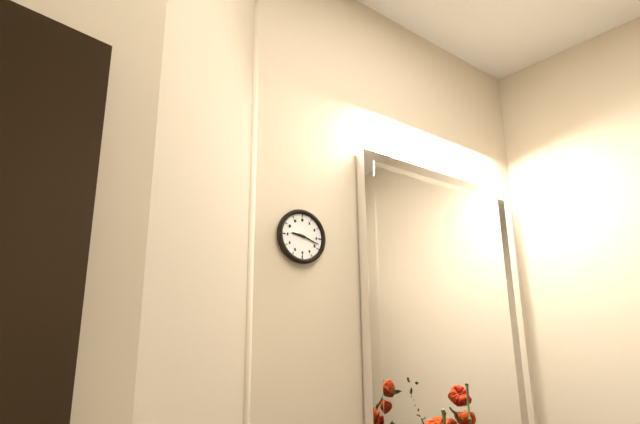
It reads {"hour": 9, "minute": 18}
